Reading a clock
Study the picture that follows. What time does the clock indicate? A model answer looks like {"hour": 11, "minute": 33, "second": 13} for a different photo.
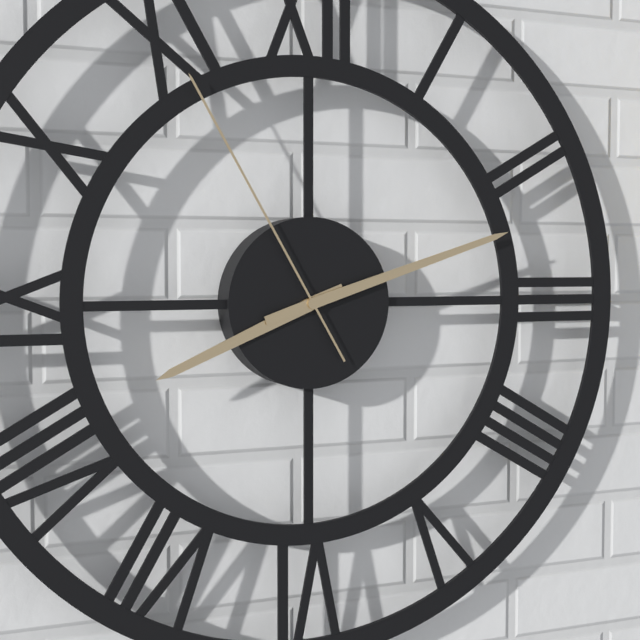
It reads {"hour": 8, "minute": 12, "second": 55}
